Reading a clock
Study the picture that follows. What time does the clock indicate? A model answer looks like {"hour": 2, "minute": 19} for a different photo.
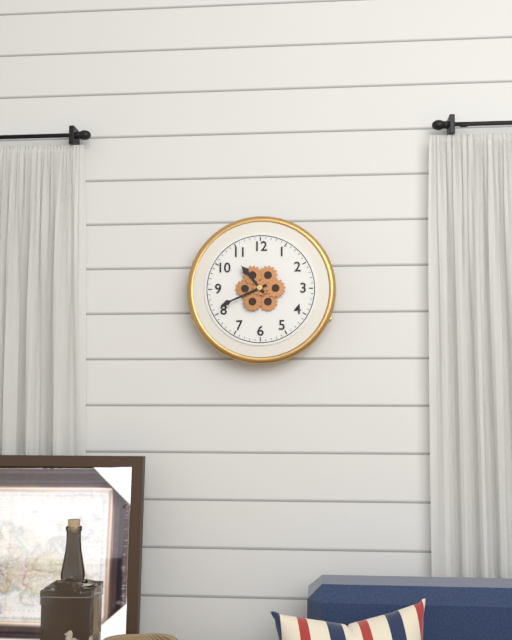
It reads {"hour": 10, "minute": 41}
